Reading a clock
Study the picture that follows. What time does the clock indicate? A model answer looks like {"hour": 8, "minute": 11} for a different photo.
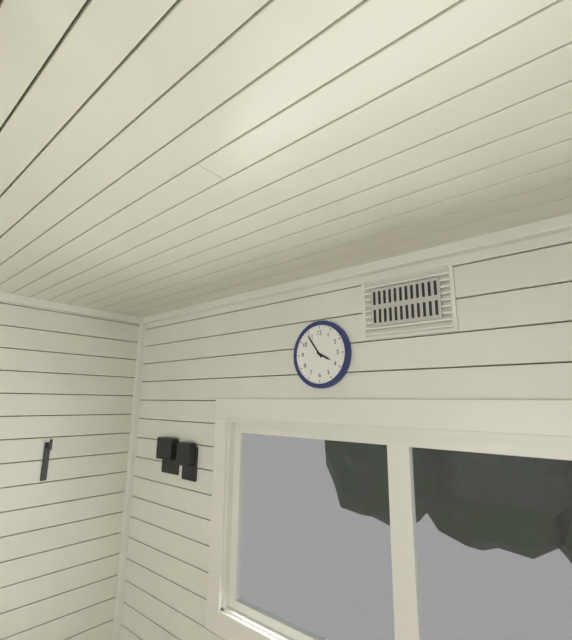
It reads {"hour": 3, "minute": 54}
